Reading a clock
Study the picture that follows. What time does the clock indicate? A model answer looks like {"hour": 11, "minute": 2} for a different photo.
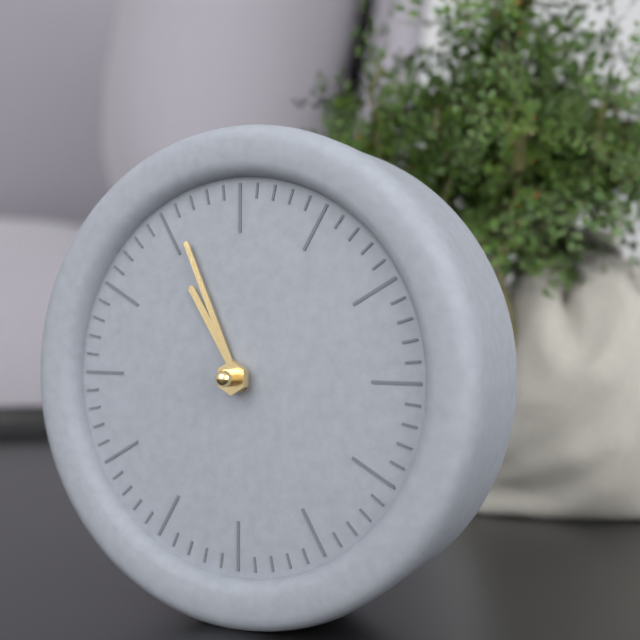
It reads {"hour": 10, "minute": 56}
